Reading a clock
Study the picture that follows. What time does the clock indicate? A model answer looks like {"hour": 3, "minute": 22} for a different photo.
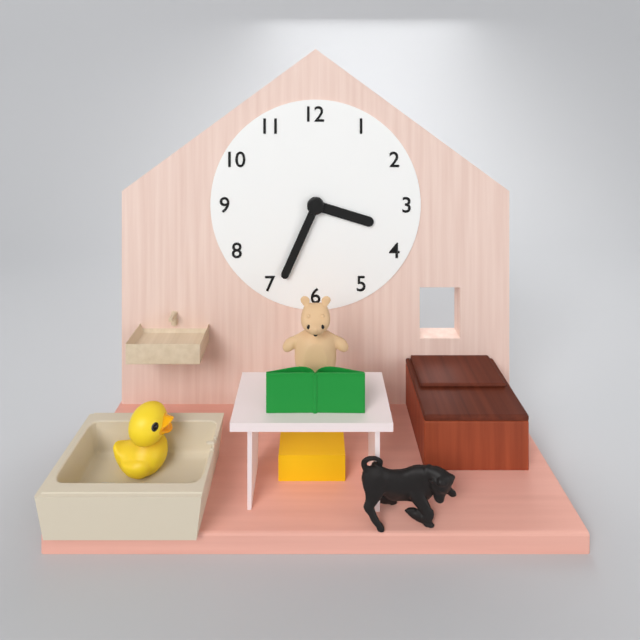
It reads {"hour": 3, "minute": 34}
